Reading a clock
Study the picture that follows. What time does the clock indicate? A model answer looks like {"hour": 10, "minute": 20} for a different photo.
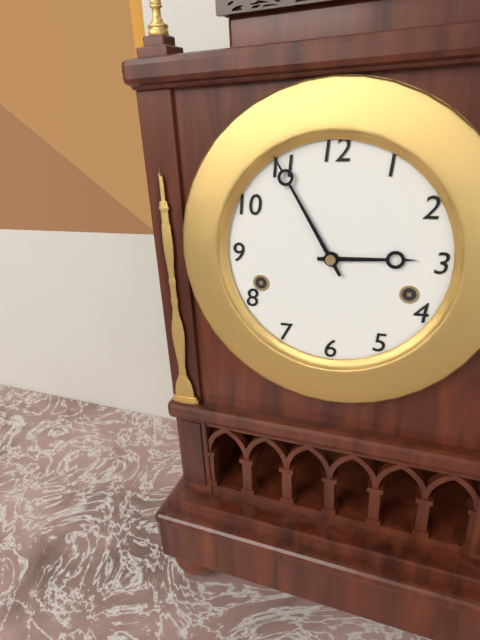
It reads {"hour": 2, "minute": 55}
